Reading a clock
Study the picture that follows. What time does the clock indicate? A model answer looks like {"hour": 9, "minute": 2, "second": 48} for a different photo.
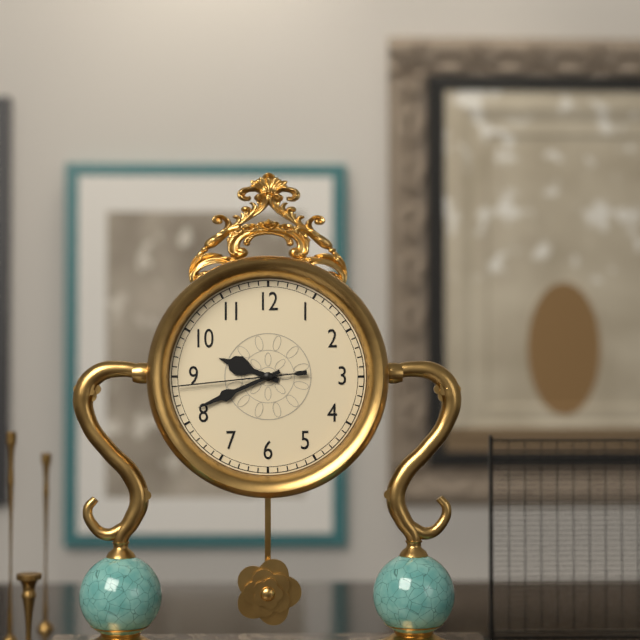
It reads {"hour": 9, "minute": 41, "second": 44}
